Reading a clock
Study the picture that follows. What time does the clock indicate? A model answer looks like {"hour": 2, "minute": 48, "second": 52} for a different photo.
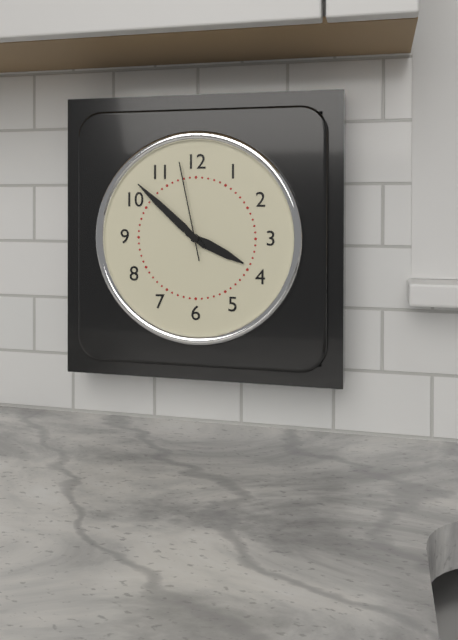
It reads {"hour": 3, "minute": 52, "second": 58}
